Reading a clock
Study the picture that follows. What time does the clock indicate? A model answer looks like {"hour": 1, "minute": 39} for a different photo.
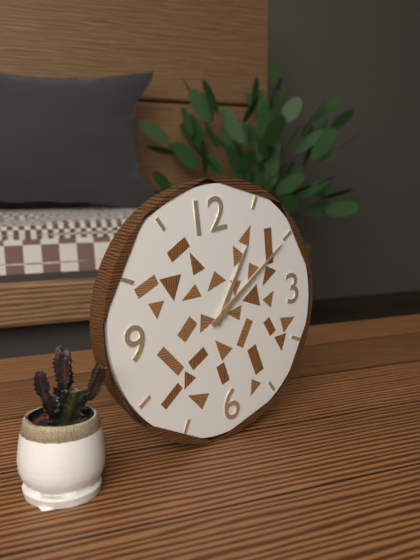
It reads {"hour": 1, "minute": 10}
